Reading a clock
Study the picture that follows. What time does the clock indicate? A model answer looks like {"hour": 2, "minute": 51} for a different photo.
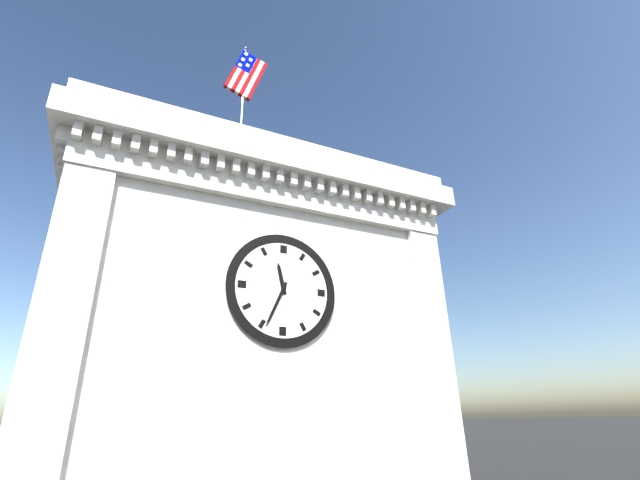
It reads {"hour": 11, "minute": 34}
